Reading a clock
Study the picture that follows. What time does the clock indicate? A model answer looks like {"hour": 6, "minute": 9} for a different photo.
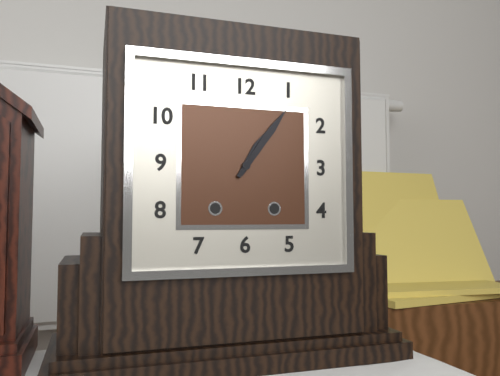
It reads {"hour": 1, "minute": 6}
